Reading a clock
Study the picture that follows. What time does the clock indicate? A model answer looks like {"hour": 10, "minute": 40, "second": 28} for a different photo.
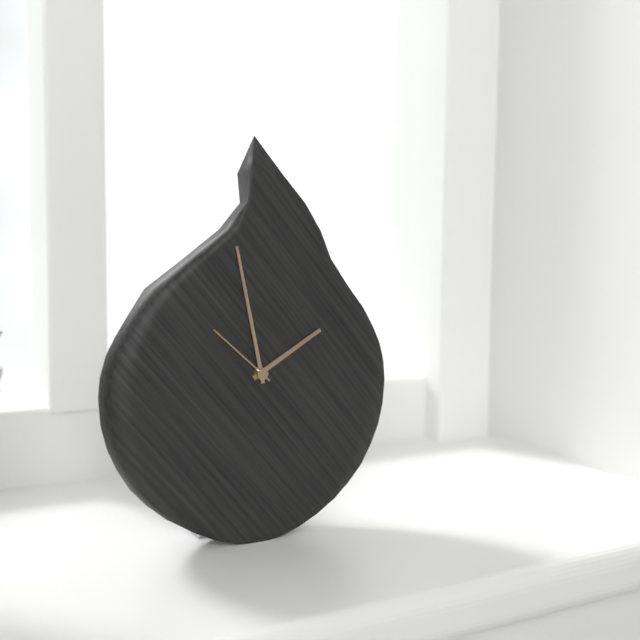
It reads {"hour": 1, "minute": 58, "second": 52}
